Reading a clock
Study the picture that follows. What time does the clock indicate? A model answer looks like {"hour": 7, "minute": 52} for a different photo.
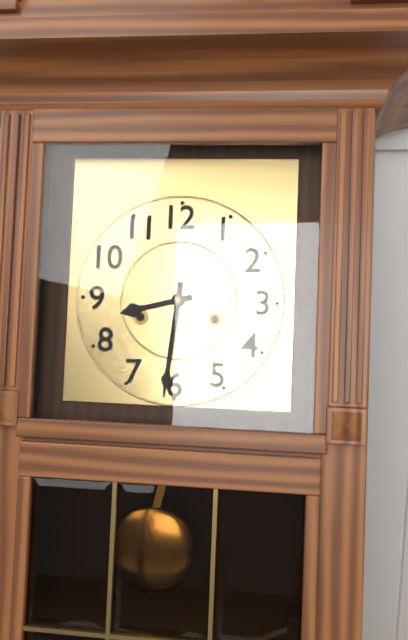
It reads {"hour": 8, "minute": 31}
